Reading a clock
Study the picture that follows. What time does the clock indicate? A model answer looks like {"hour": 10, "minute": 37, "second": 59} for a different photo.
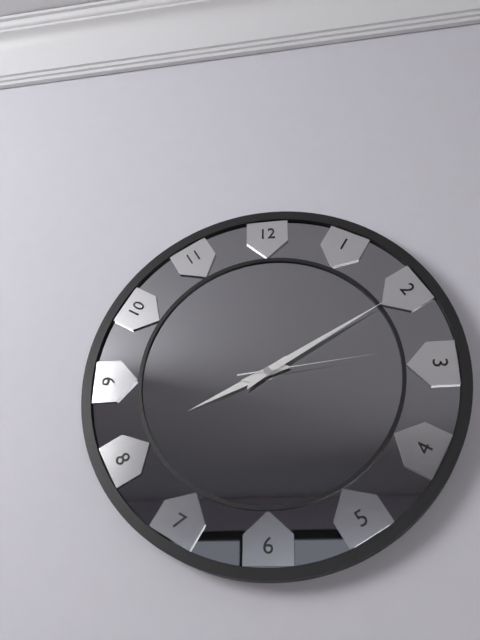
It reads {"hour": 8, "minute": 10, "second": 14}
